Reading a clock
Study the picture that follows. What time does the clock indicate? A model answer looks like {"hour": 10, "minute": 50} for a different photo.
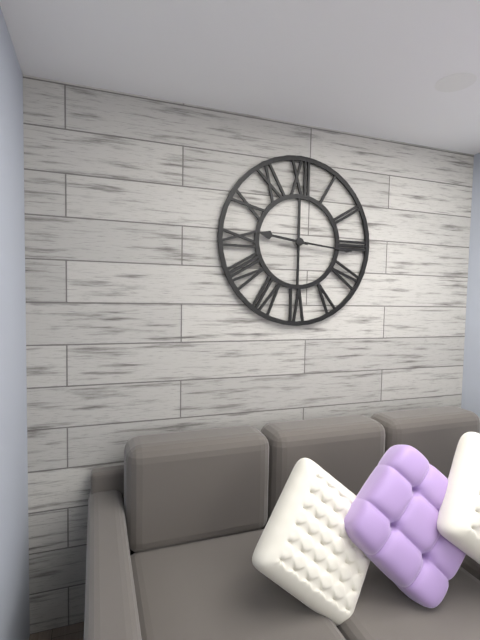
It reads {"hour": 9, "minute": 16}
